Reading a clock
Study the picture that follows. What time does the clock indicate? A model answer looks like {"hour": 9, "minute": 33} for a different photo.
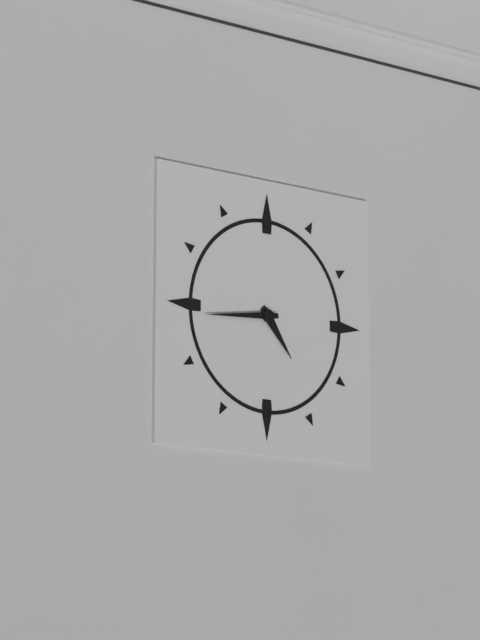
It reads {"hour": 4, "minute": 44}
